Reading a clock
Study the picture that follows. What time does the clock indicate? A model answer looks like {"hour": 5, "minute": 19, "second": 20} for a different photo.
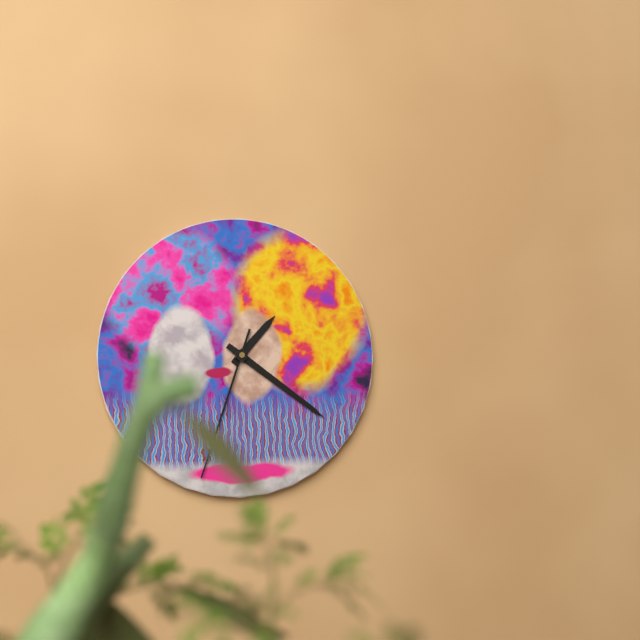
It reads {"hour": 1, "minute": 21, "second": 33}
